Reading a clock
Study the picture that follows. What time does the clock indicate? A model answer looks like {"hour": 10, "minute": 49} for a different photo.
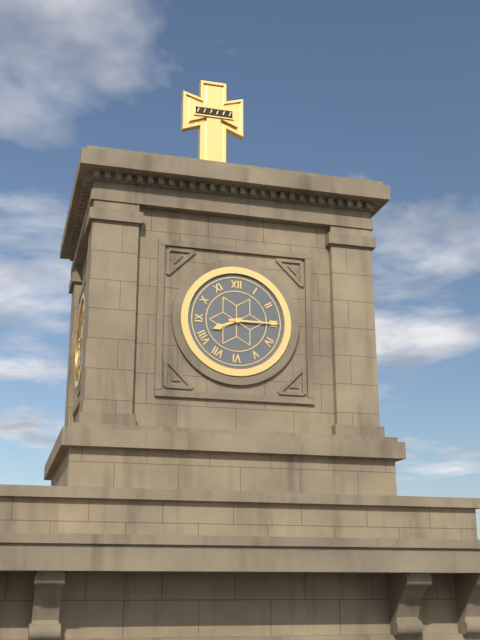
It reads {"hour": 8, "minute": 15}
